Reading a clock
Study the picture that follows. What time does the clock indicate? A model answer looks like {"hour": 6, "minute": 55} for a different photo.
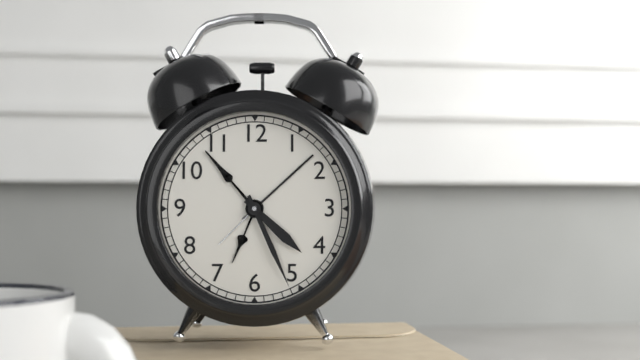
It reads {"hour": 4, "minute": 26}
